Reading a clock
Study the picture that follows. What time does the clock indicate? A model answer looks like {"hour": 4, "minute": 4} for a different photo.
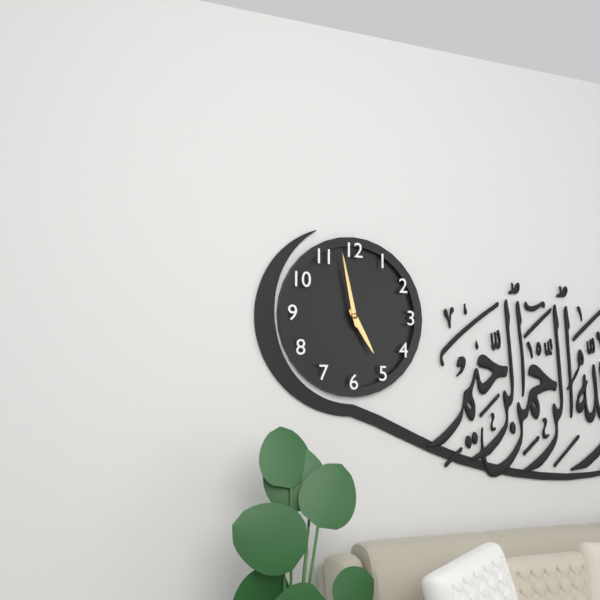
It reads {"hour": 4, "minute": 58}
